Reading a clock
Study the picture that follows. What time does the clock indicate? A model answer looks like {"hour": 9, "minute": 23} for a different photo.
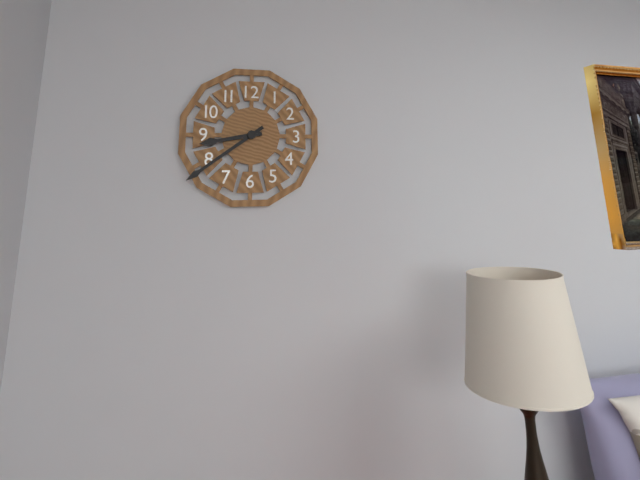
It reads {"hour": 8, "minute": 39}
